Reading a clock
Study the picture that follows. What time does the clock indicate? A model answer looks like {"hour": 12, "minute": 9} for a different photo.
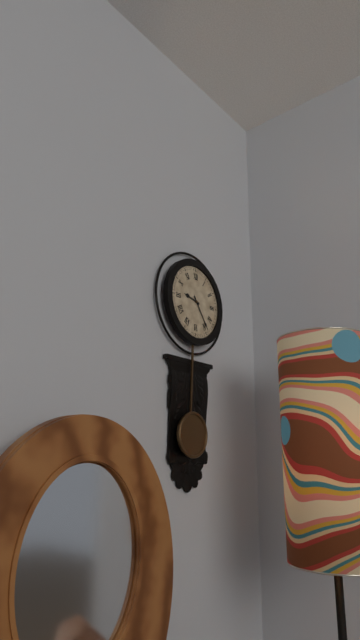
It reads {"hour": 9, "minute": 24}
